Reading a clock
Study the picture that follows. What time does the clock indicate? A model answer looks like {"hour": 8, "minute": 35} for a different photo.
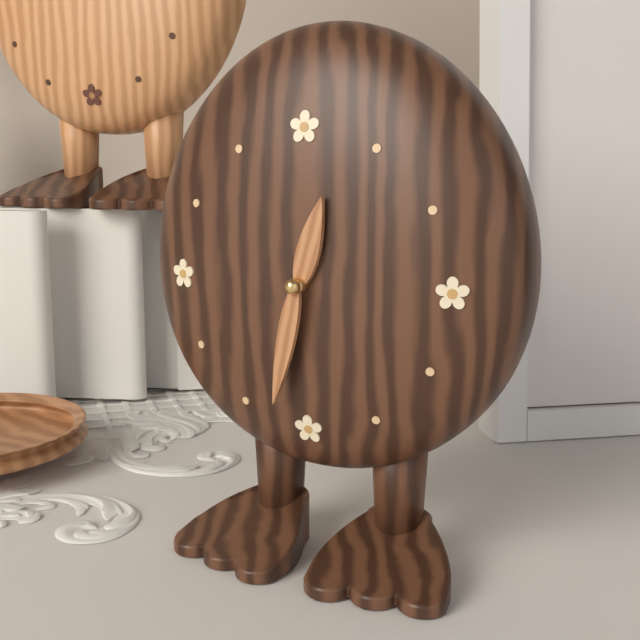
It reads {"hour": 12, "minute": 32}
